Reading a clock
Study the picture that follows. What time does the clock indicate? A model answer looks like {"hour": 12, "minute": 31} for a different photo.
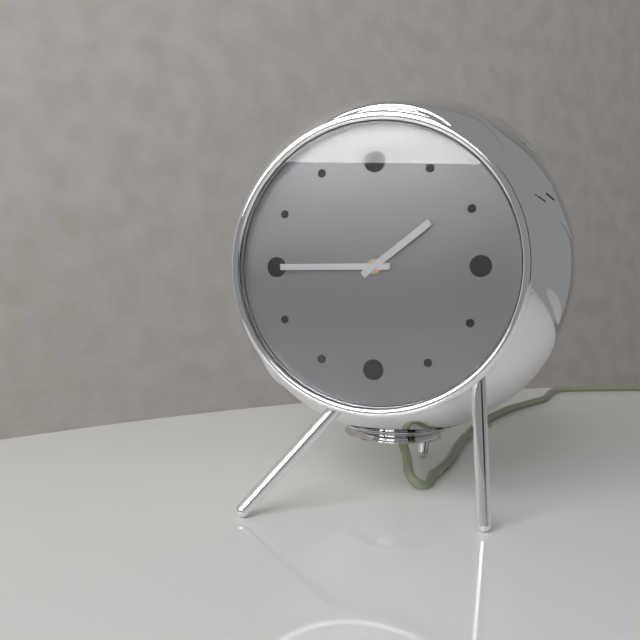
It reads {"hour": 1, "minute": 45}
